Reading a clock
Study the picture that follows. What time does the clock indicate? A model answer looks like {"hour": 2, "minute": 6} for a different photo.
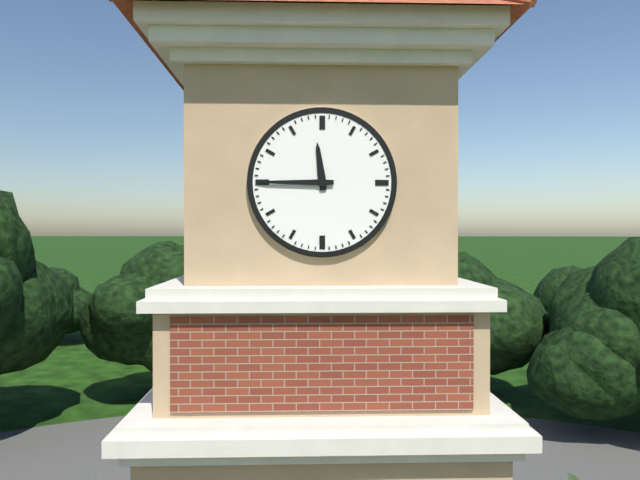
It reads {"hour": 11, "minute": 45}
